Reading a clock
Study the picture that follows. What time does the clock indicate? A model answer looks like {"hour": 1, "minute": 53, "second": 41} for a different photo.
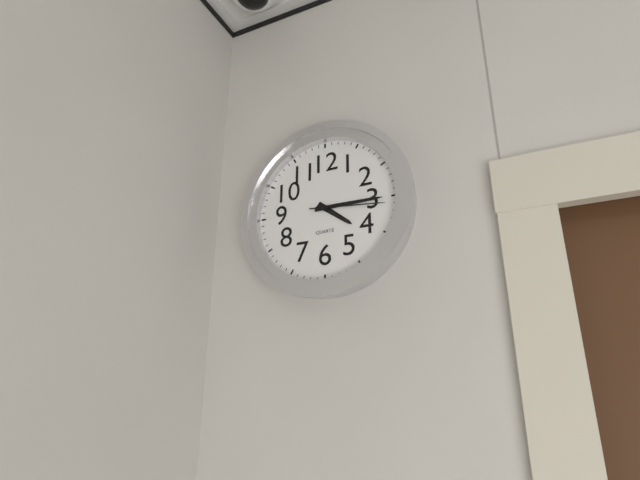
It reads {"hour": 4, "minute": 15, "second": 16}
